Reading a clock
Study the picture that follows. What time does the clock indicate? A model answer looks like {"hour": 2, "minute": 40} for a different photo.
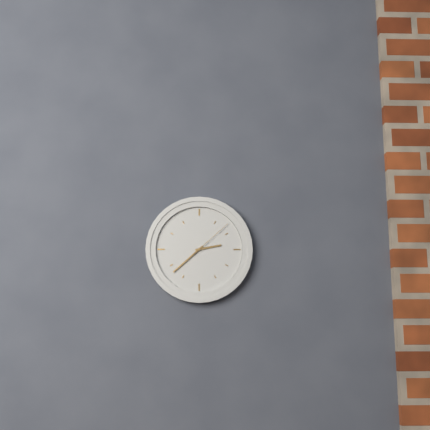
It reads {"hour": 2, "minute": 38}
